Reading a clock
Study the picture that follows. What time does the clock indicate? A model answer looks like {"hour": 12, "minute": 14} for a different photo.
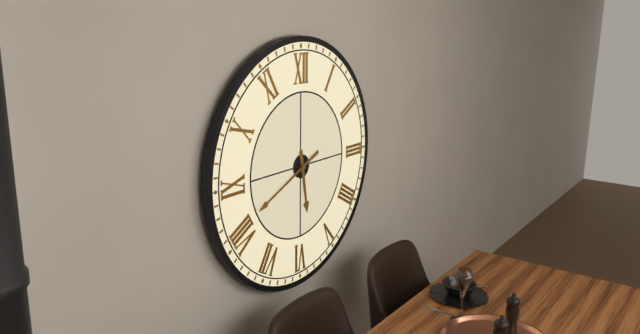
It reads {"hour": 5, "minute": 41}
